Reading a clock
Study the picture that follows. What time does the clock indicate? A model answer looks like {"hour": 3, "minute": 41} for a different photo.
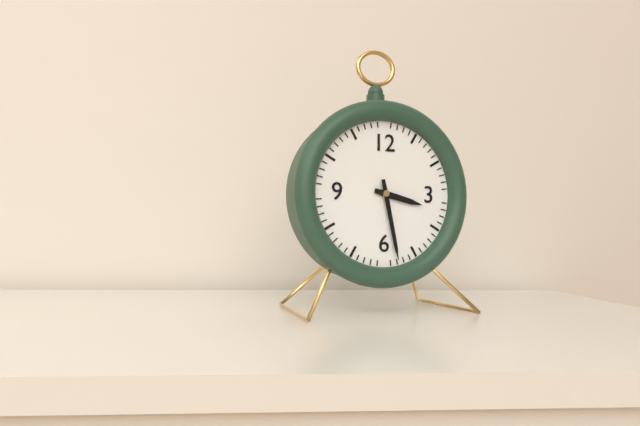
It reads {"hour": 3, "minute": 28}
